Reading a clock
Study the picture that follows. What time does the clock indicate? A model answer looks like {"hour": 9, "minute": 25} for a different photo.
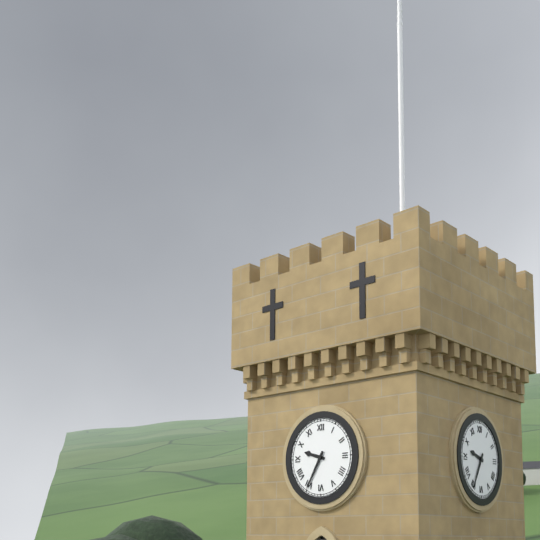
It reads {"hour": 9, "minute": 35}
